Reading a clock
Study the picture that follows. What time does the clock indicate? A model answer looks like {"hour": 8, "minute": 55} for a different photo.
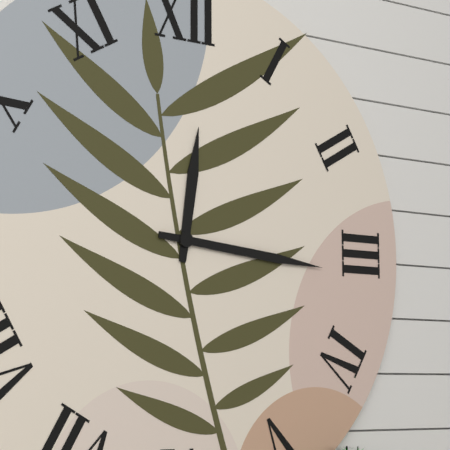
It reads {"hour": 12, "minute": 16}
